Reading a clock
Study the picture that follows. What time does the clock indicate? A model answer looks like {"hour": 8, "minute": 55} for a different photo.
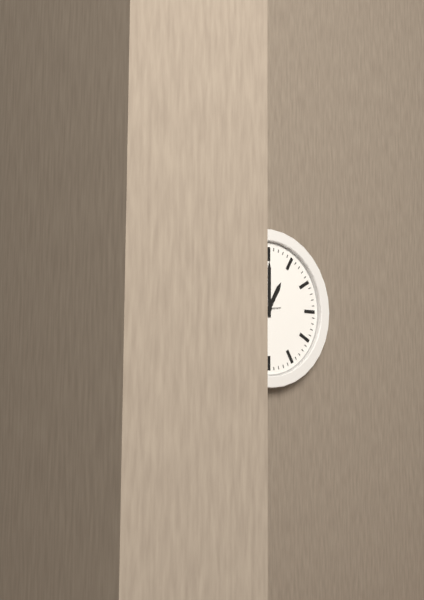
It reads {"hour": 1, "minute": 0}
